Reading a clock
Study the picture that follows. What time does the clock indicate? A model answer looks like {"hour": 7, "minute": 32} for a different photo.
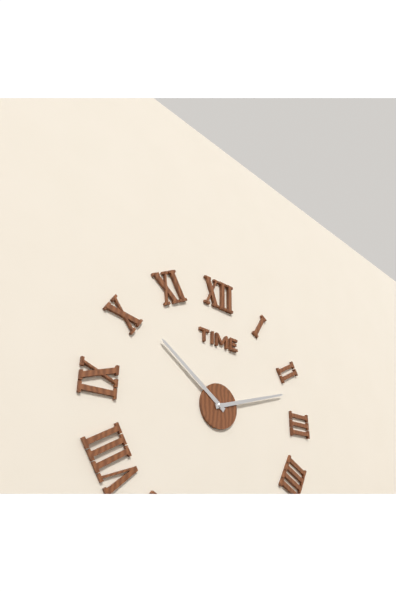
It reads {"hour": 10, "minute": 12}
